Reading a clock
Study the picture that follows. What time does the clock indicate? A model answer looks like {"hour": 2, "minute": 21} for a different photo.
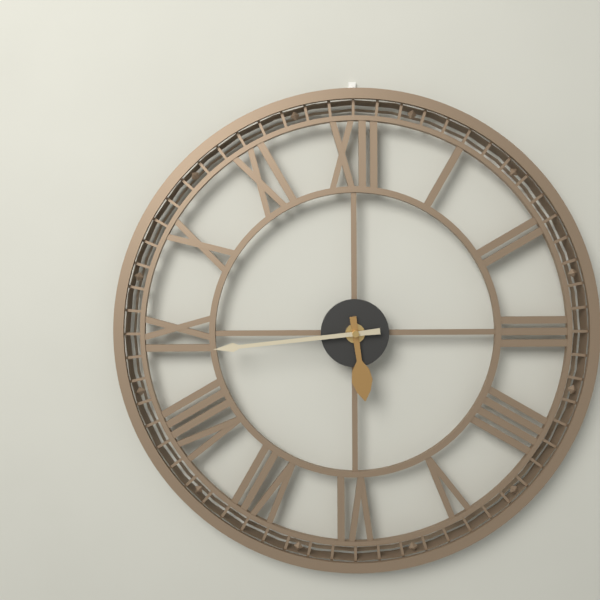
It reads {"hour": 5, "minute": 44}
